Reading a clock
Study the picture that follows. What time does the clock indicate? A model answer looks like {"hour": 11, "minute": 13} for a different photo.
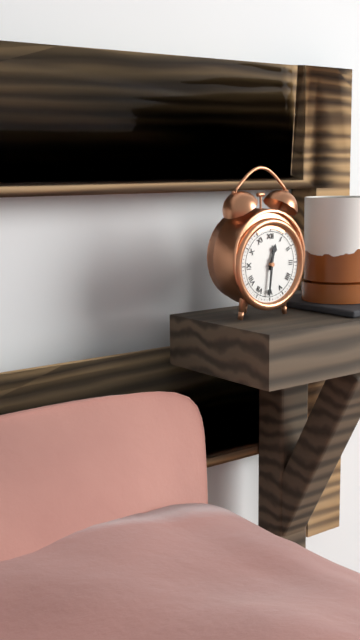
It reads {"hour": 12, "minute": 31}
